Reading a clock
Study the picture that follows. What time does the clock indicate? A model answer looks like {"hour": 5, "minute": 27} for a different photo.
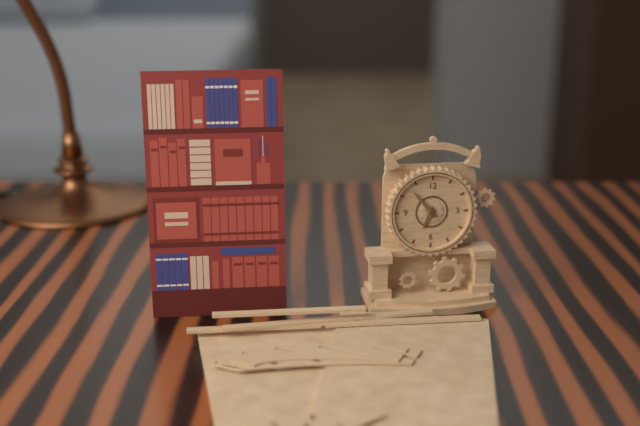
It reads {"hour": 6, "minute": 53}
